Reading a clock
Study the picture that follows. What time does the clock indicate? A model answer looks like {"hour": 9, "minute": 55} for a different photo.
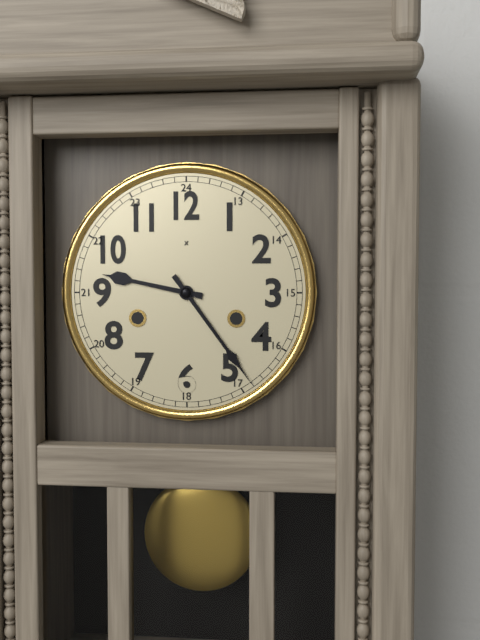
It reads {"hour": 9, "minute": 24}
